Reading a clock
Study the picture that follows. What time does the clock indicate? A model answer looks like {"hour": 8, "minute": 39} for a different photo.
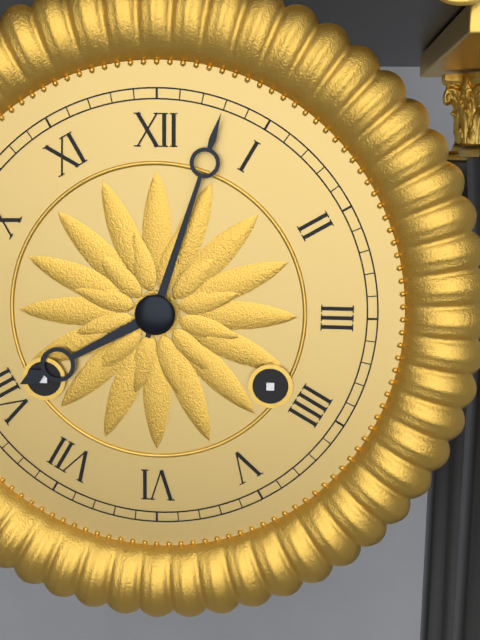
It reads {"hour": 8, "minute": 3}
